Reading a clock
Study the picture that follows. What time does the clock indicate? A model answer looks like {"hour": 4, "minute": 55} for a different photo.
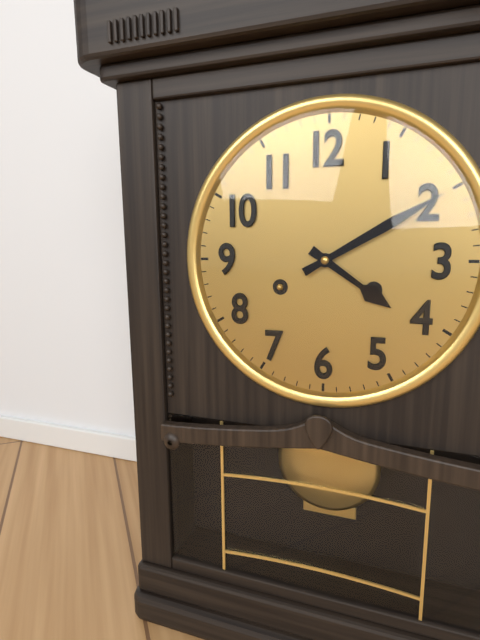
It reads {"hour": 4, "minute": 10}
